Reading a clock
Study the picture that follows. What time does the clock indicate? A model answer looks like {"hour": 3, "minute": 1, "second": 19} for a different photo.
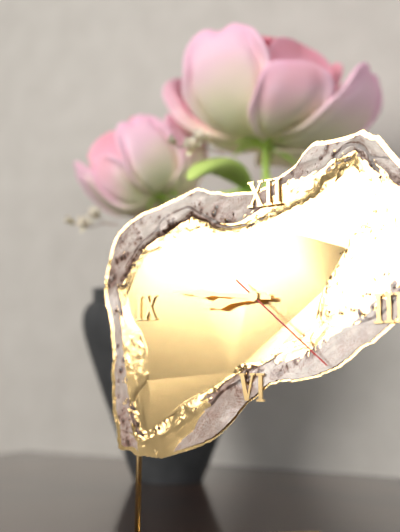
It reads {"hour": 8, "minute": 46, "second": 22}
